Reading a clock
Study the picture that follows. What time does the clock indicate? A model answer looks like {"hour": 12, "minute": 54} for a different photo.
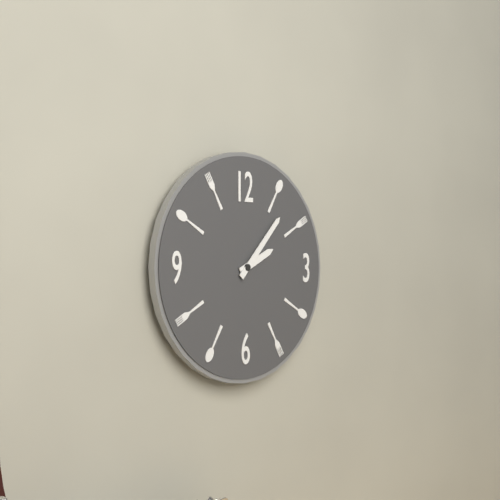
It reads {"hour": 2, "minute": 7}
